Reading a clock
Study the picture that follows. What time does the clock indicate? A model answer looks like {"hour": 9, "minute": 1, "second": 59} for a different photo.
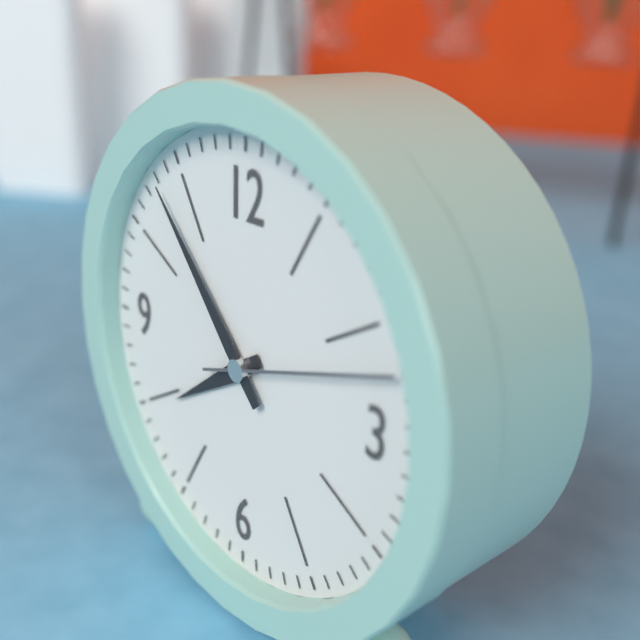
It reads {"hour": 7, "minute": 53, "second": 12}
